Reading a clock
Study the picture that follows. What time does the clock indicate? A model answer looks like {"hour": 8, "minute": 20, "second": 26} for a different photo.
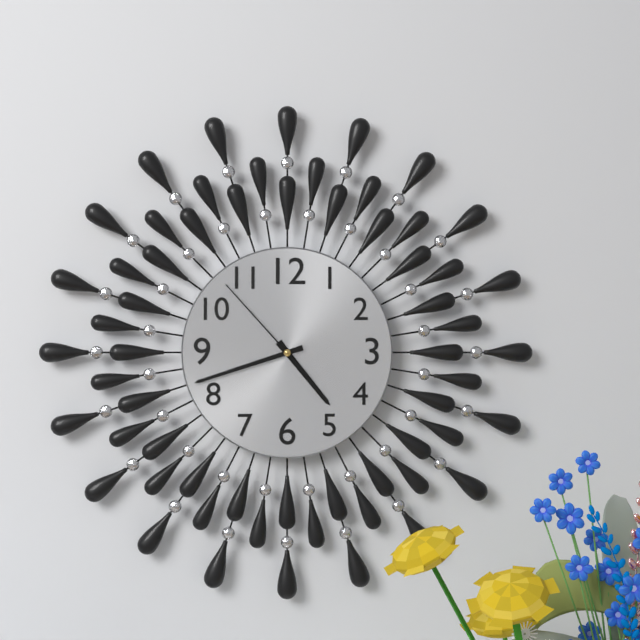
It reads {"hour": 4, "minute": 42, "second": 53}
